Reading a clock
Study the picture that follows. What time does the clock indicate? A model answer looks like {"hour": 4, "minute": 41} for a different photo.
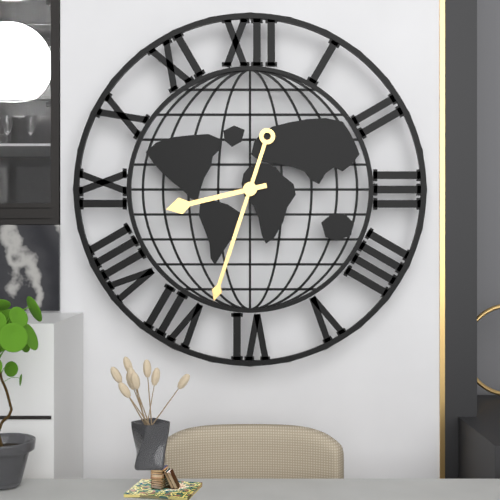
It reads {"hour": 8, "minute": 33}
